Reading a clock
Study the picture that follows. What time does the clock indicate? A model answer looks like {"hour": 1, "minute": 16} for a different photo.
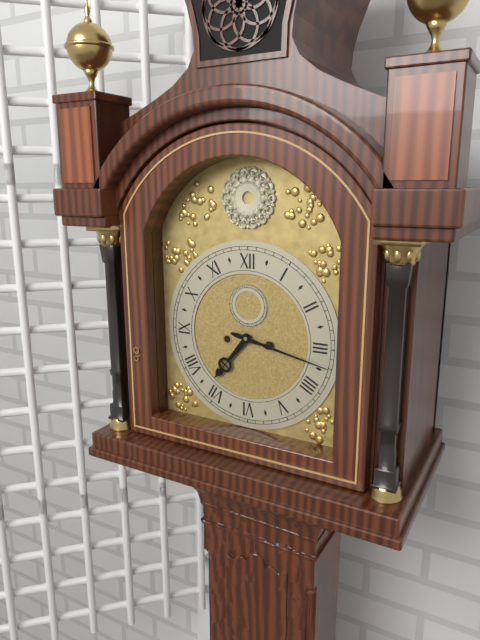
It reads {"hour": 7, "minute": 17}
